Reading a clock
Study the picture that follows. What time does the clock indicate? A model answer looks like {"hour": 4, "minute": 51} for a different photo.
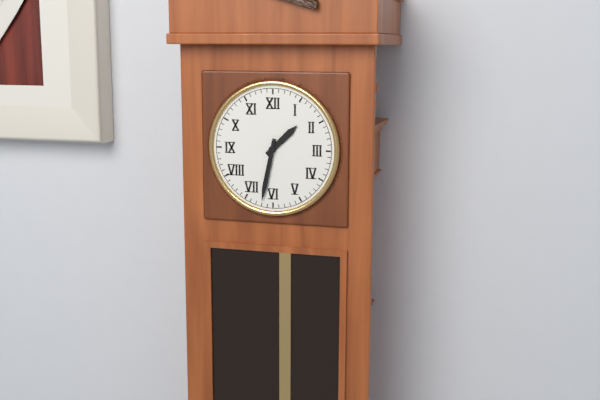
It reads {"hour": 1, "minute": 32}
